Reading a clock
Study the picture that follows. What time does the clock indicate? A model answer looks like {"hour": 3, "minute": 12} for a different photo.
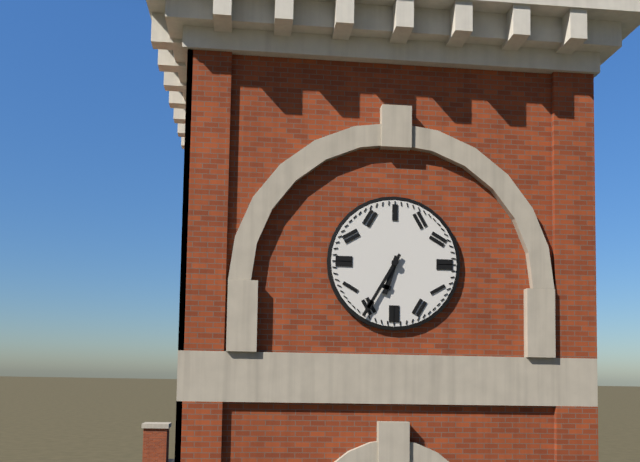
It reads {"hour": 6, "minute": 35}
